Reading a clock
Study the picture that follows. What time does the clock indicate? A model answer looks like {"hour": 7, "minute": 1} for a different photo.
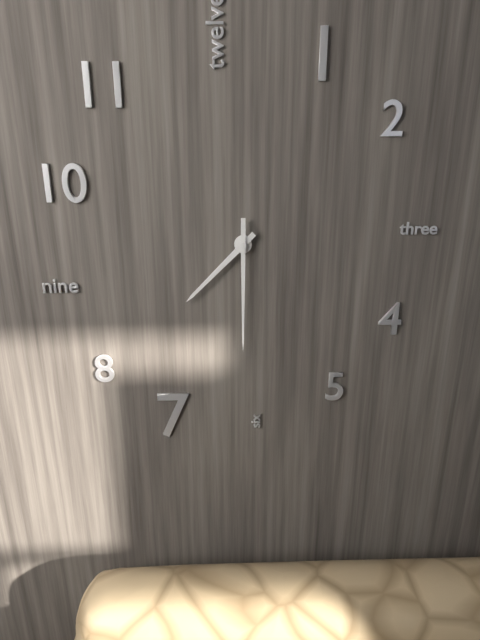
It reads {"hour": 7, "minute": 30}
